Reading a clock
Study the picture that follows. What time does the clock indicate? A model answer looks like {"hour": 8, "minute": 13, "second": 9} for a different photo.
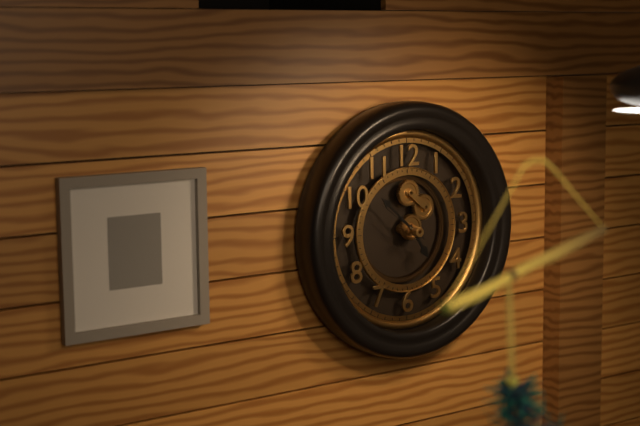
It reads {"hour": 4, "minute": 52, "second": 51}
